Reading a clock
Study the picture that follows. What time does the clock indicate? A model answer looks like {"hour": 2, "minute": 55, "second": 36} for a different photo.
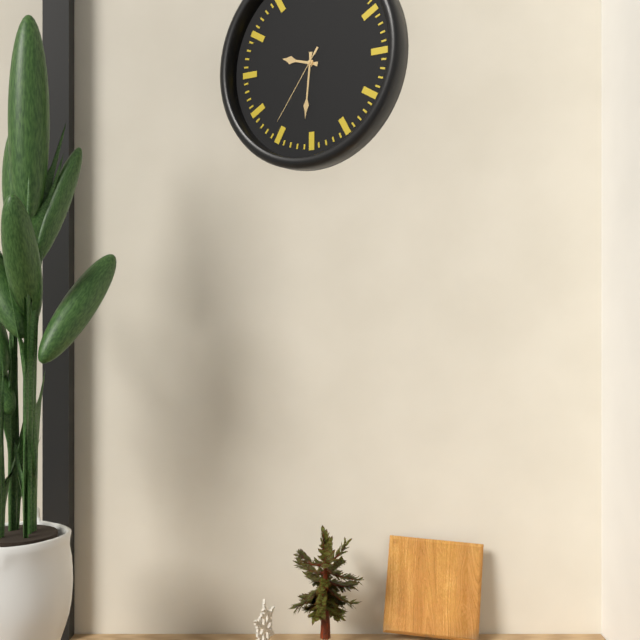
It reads {"hour": 9, "minute": 31, "second": 36}
